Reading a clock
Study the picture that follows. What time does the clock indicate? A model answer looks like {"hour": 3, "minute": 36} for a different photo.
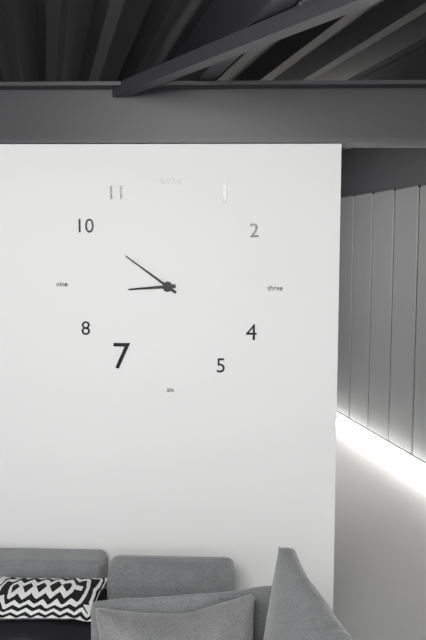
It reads {"hour": 8, "minute": 51}
